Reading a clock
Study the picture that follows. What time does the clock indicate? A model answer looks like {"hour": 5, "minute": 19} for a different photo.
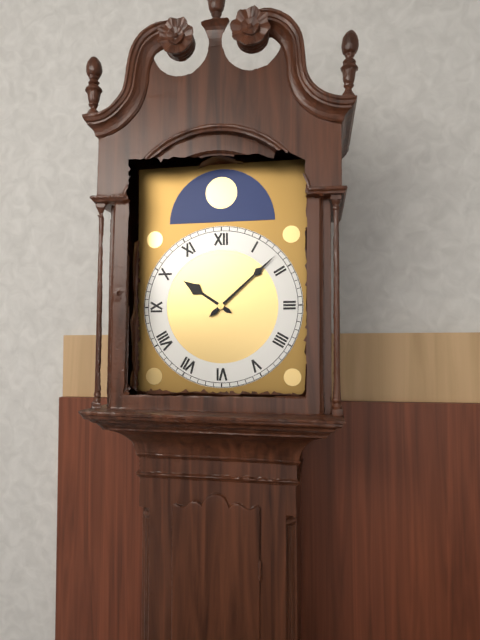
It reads {"hour": 10, "minute": 8}
